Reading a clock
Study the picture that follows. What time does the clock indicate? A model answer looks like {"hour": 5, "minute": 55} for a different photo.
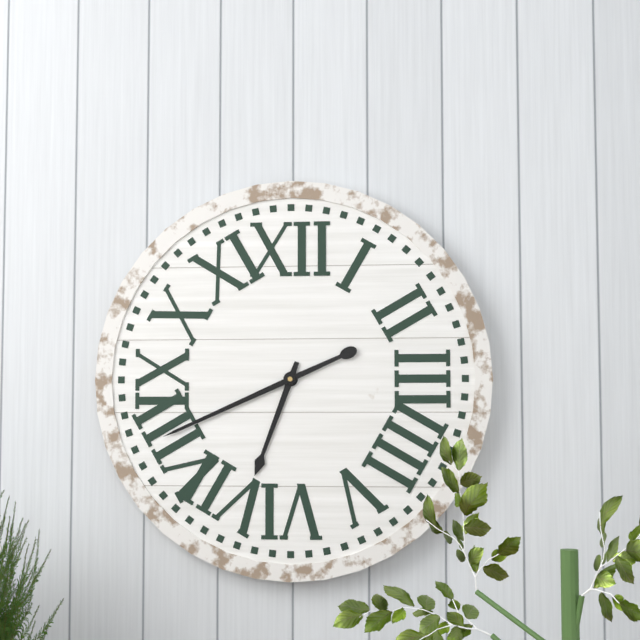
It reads {"hour": 6, "minute": 41}
